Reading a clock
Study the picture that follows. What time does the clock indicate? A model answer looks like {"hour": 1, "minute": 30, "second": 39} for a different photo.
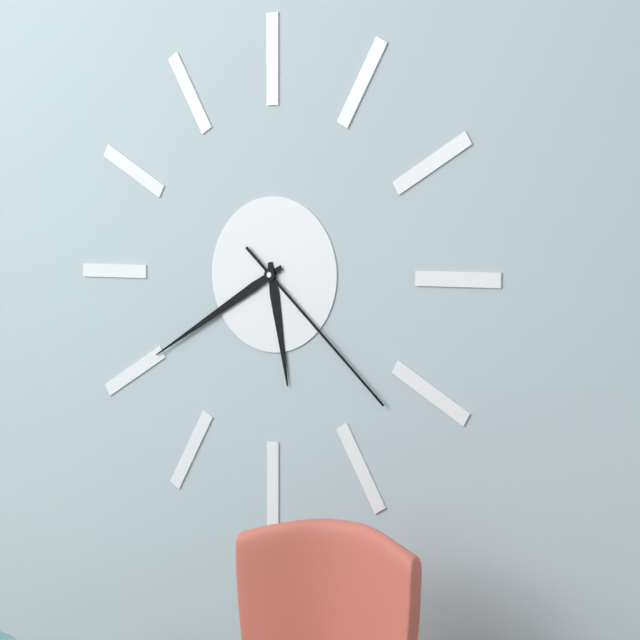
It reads {"hour": 5, "minute": 40, "second": 22}
